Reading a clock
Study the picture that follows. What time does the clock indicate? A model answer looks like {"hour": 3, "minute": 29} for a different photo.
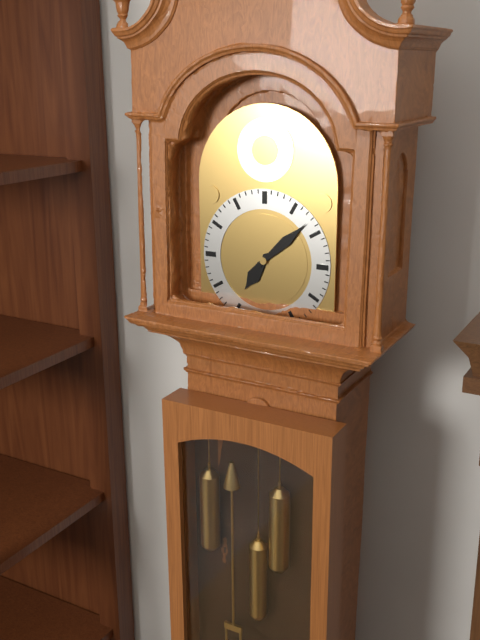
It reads {"hour": 7, "minute": 8}
